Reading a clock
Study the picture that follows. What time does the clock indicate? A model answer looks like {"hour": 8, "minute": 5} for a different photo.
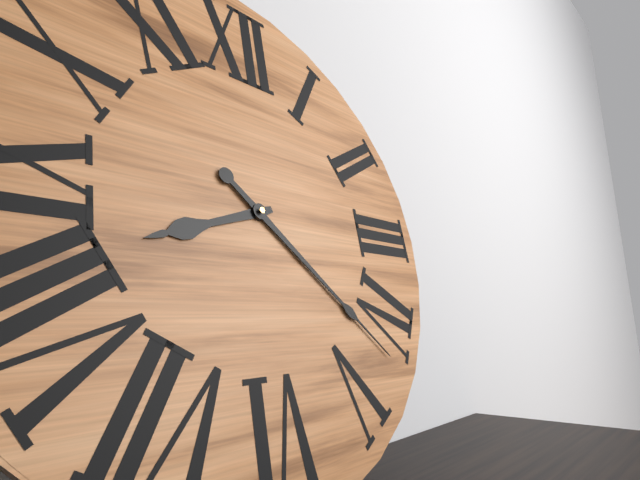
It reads {"hour": 8, "minute": 22}
